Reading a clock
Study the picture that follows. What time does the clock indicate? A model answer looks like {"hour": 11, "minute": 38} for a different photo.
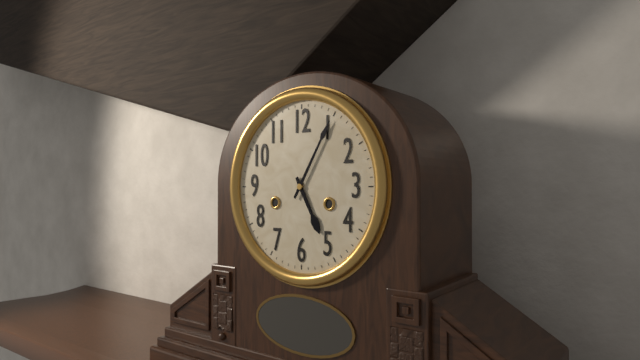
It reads {"hour": 5, "minute": 5}
